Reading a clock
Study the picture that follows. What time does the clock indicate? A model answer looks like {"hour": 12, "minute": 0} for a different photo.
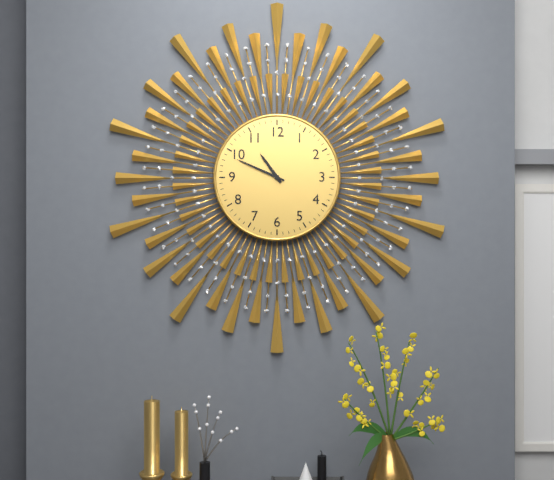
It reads {"hour": 10, "minute": 49}
